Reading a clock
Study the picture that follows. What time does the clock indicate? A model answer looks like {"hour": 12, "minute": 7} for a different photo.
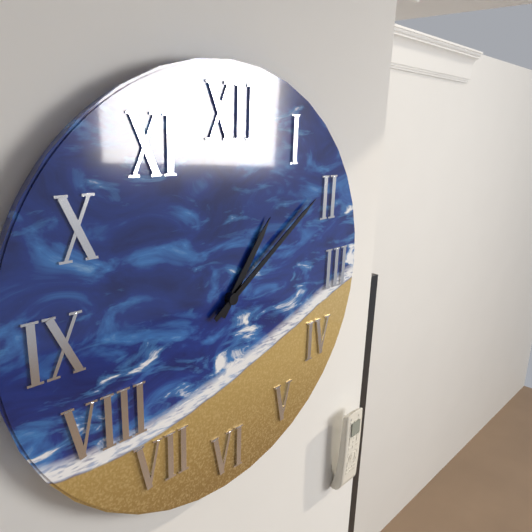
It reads {"hour": 1, "minute": 9}
